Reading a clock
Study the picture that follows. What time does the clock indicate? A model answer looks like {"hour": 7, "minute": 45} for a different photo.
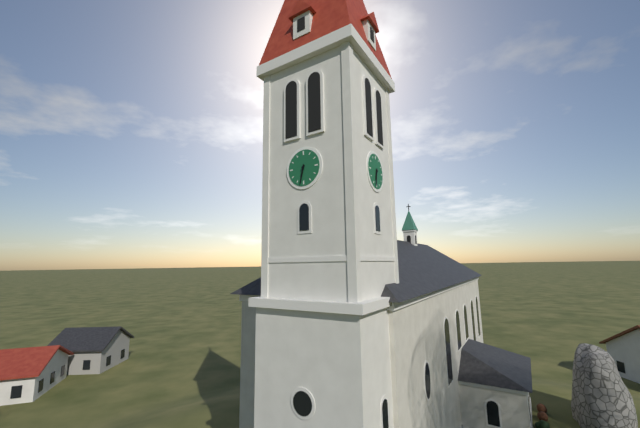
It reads {"hour": 6, "minute": 32}
